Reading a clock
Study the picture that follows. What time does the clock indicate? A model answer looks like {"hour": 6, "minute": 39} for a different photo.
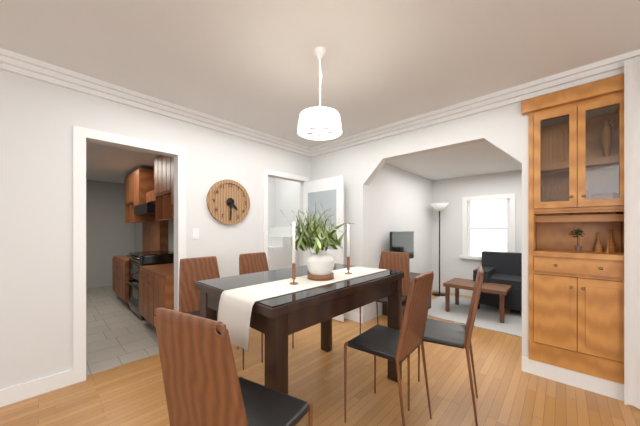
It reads {"hour": 4, "minute": 30}
